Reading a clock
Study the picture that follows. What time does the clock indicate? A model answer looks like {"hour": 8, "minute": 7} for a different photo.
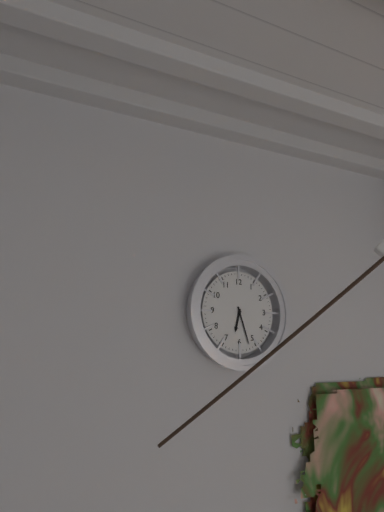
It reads {"hour": 6, "minute": 27}
